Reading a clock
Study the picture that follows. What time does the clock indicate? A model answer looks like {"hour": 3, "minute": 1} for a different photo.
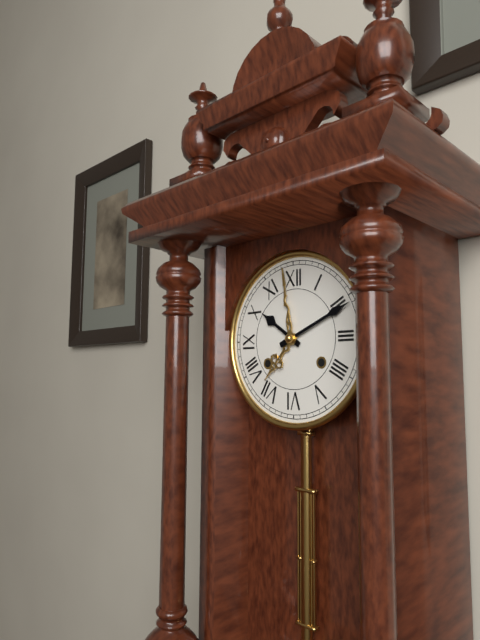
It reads {"hour": 10, "minute": 11}
